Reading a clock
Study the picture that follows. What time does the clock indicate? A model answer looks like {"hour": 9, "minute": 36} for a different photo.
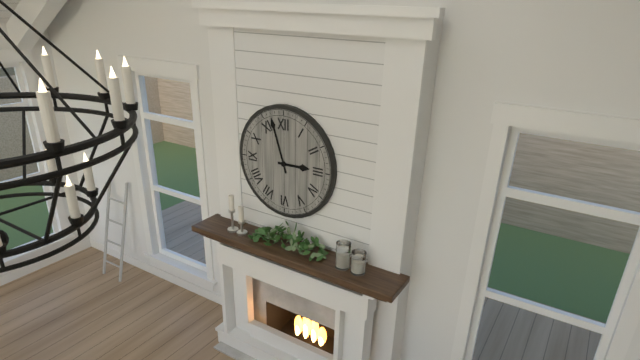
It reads {"hour": 2, "minute": 57}
